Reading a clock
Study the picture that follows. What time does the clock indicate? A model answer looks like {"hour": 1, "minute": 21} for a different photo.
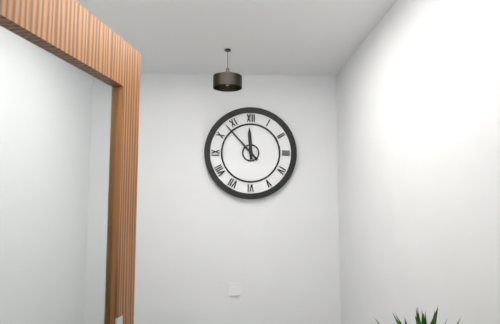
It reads {"hour": 11, "minute": 53}
